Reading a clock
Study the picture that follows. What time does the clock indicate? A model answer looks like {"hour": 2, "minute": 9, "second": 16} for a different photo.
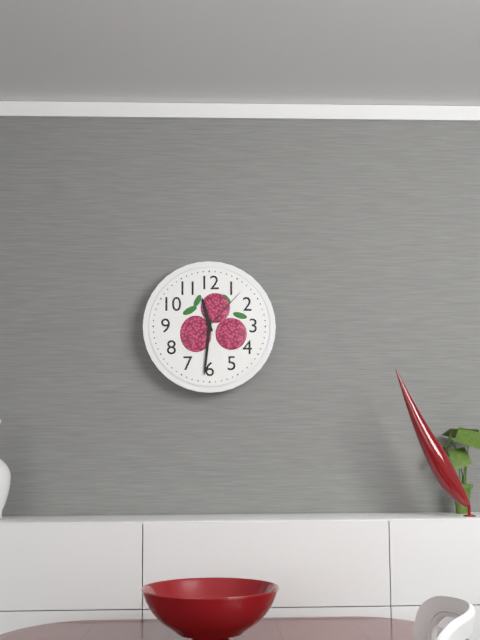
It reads {"hour": 11, "minute": 31, "second": 7}
